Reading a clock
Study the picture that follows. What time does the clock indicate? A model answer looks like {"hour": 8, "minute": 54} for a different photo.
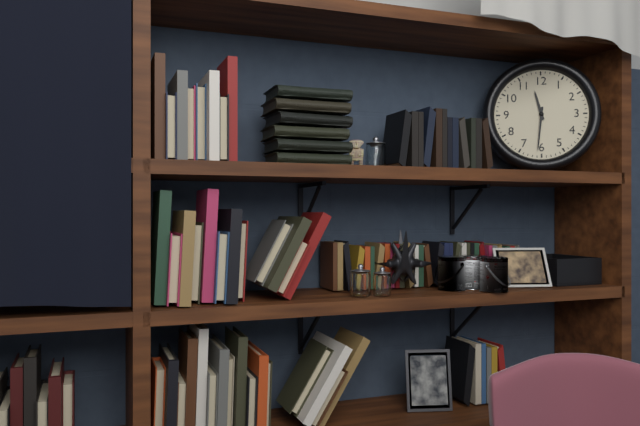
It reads {"hour": 11, "minute": 31}
